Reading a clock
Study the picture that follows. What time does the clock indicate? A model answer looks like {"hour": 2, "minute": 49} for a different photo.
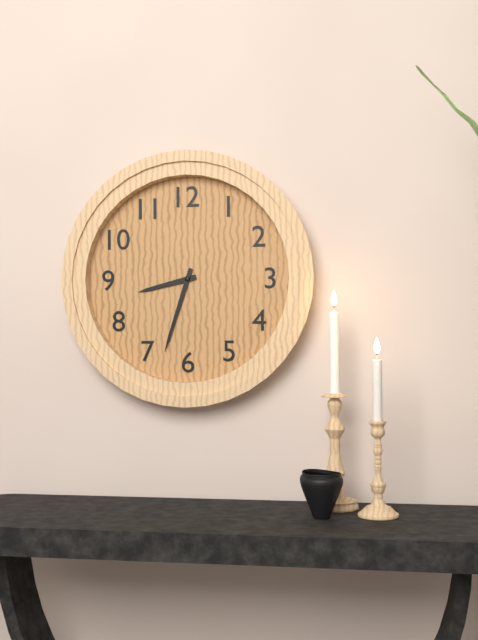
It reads {"hour": 8, "minute": 33}
